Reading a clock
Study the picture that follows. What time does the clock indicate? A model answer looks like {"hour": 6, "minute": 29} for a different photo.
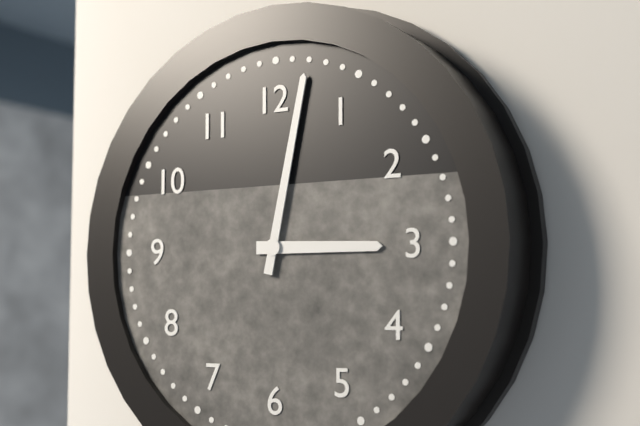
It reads {"hour": 3, "minute": 2}
